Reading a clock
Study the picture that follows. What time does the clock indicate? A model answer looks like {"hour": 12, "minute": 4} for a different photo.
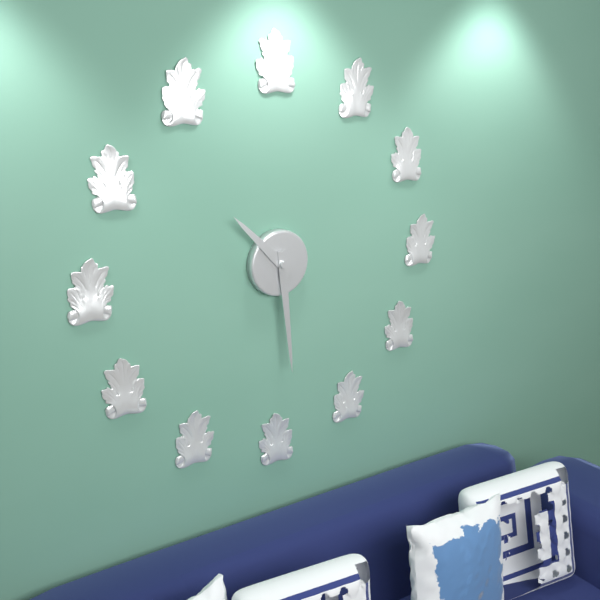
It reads {"hour": 10, "minute": 29}
